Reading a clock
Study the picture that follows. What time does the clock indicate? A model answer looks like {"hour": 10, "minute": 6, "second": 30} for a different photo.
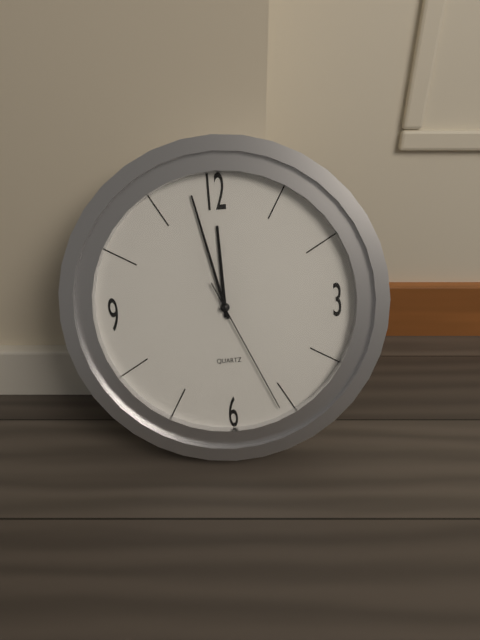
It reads {"hour": 11, "minute": 58, "second": 26}
